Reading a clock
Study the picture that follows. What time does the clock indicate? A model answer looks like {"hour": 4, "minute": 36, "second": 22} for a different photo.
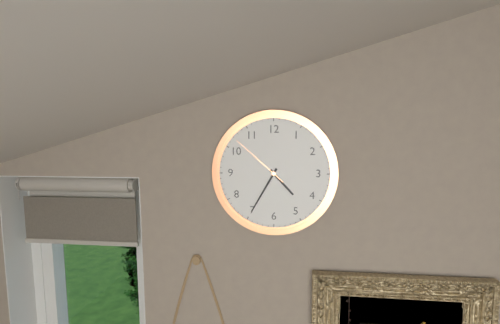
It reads {"hour": 4, "minute": 35, "second": 52}
